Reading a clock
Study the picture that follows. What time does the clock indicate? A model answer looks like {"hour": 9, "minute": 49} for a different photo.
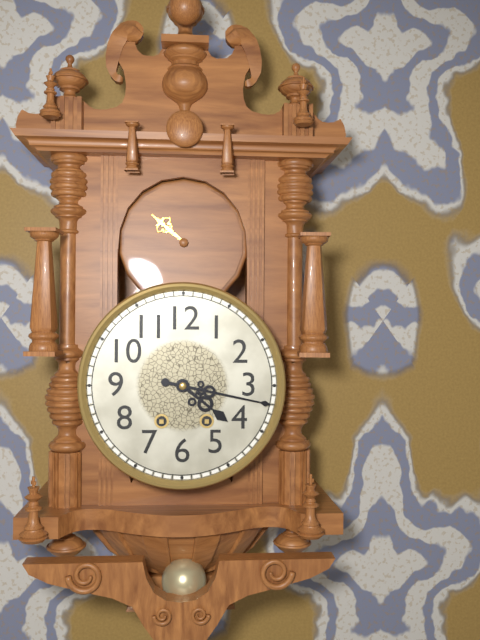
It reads {"hour": 4, "minute": 17}
